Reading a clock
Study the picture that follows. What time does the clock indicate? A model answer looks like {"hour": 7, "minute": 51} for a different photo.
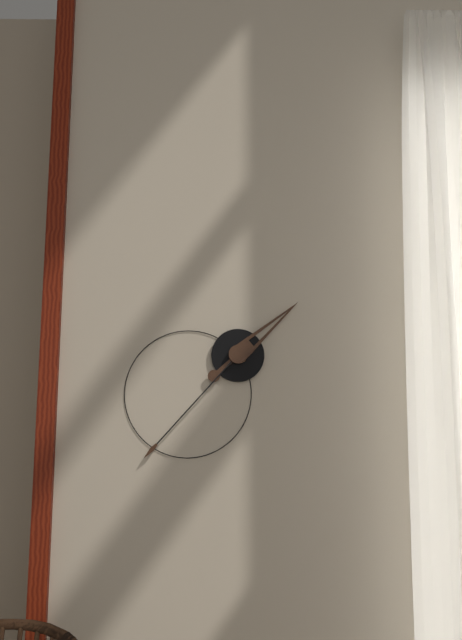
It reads {"hour": 1, "minute": 37}
